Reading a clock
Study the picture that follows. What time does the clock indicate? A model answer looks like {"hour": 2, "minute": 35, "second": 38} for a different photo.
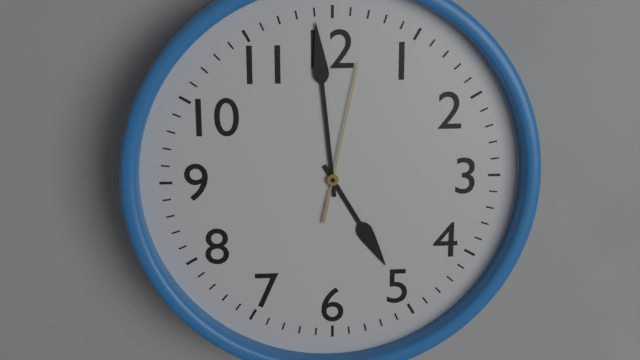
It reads {"hour": 4, "minute": 59, "second": 2}
